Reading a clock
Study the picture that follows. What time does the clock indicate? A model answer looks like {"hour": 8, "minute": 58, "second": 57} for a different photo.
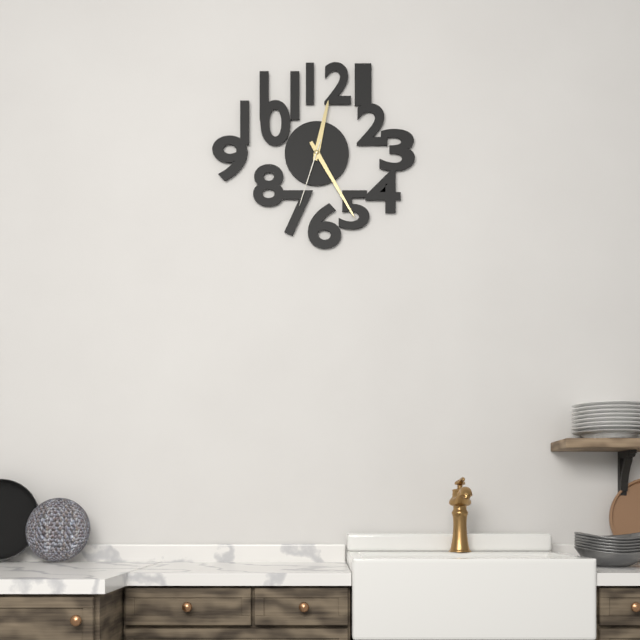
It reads {"hour": 12, "minute": 25, "second": 33}
